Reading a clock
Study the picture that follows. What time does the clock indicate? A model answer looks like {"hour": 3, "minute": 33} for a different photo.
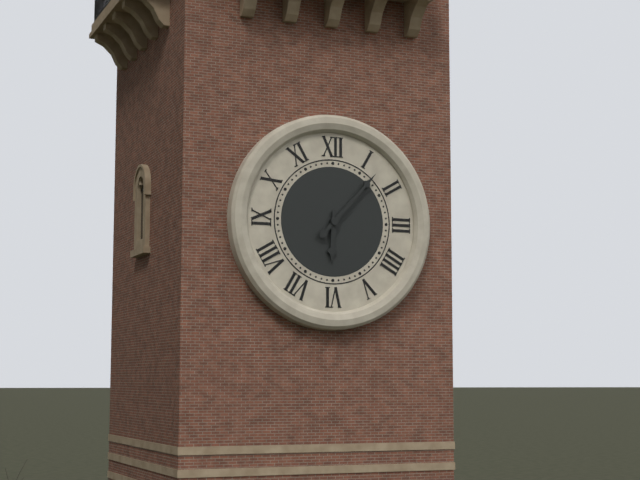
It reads {"hour": 6, "minute": 7}
